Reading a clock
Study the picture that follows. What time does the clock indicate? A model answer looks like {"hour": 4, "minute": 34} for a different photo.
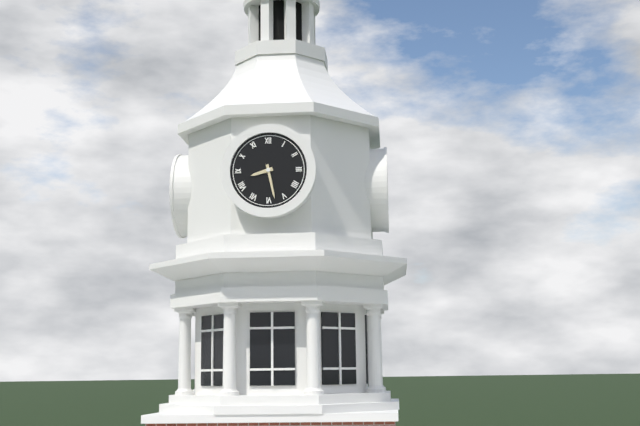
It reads {"hour": 8, "minute": 28}
